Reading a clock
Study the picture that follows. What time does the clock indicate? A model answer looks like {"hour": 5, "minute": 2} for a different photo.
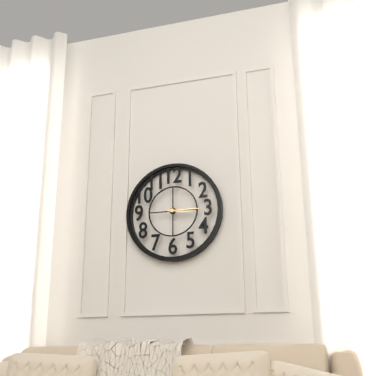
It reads {"hour": 3, "minute": 15}
